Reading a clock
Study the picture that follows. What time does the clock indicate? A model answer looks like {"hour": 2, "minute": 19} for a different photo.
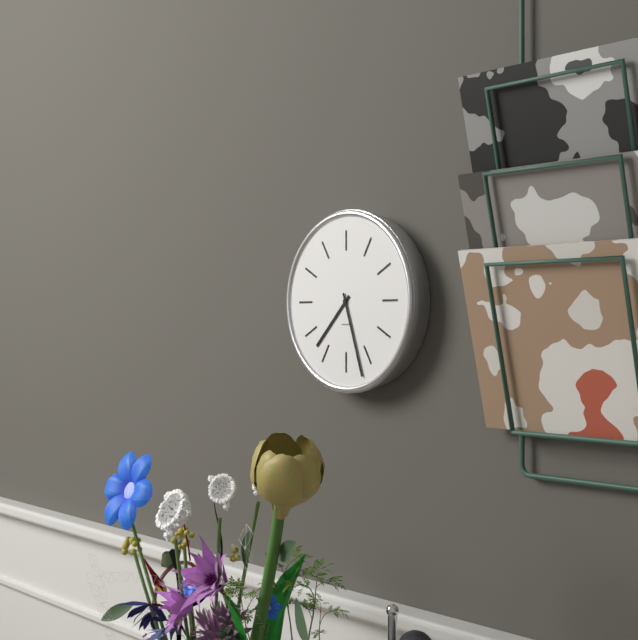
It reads {"hour": 7, "minute": 27}
